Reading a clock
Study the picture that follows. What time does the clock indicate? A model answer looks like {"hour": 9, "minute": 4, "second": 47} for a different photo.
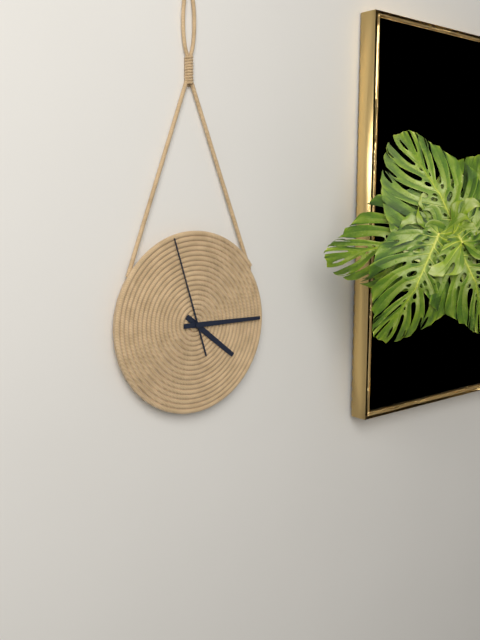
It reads {"hour": 4, "minute": 15, "second": 57}
